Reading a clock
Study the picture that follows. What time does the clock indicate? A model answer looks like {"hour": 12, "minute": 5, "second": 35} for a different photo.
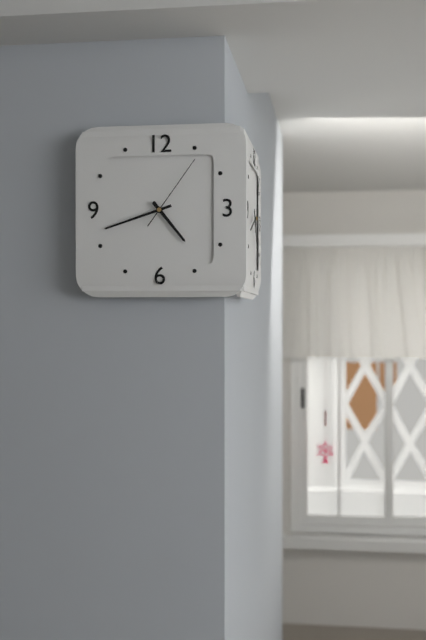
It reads {"hour": 4, "minute": 42, "second": 6}
